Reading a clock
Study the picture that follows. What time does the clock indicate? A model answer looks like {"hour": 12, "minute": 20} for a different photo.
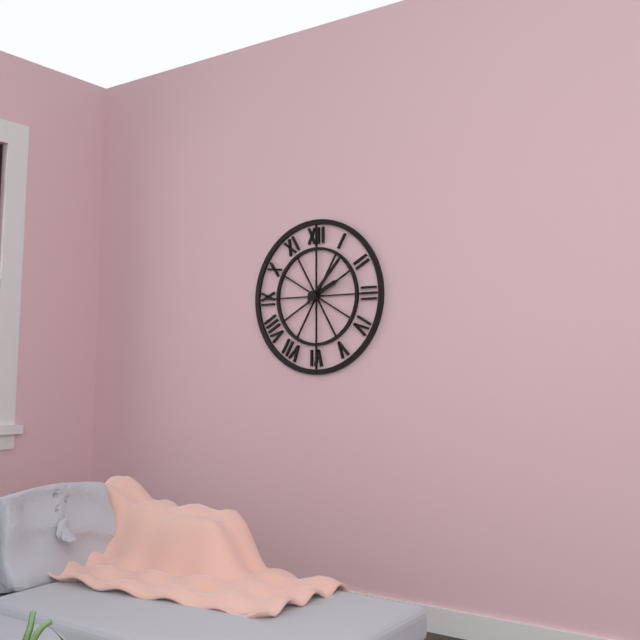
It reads {"hour": 2, "minute": 7}
